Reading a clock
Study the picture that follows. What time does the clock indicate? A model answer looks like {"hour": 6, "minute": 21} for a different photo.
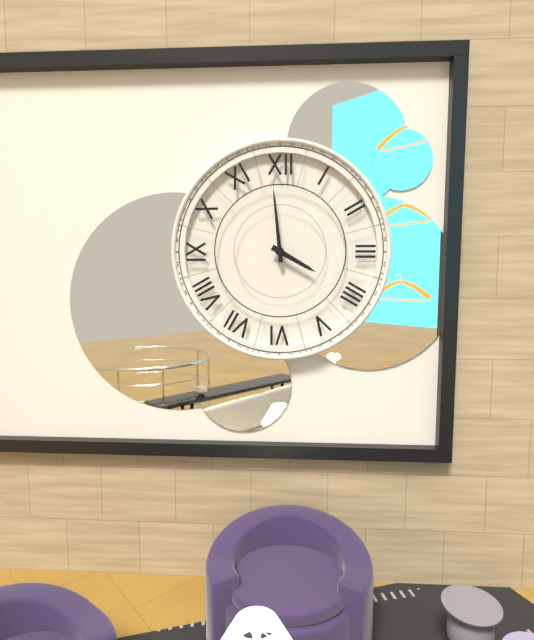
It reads {"hour": 3, "minute": 59}
